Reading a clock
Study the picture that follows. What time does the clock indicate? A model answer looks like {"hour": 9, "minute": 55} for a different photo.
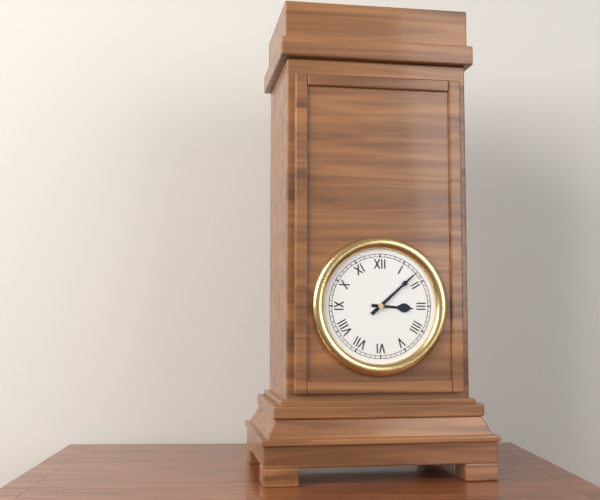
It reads {"hour": 3, "minute": 8}
